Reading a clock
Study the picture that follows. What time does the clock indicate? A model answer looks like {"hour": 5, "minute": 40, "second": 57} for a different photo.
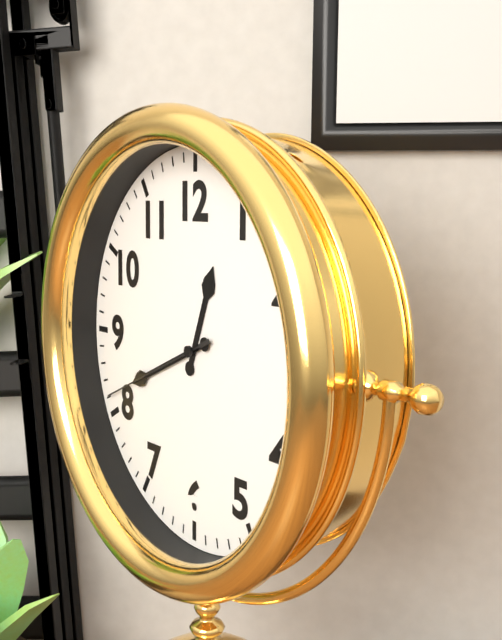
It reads {"hour": 12, "minute": 41, "second": 41}
